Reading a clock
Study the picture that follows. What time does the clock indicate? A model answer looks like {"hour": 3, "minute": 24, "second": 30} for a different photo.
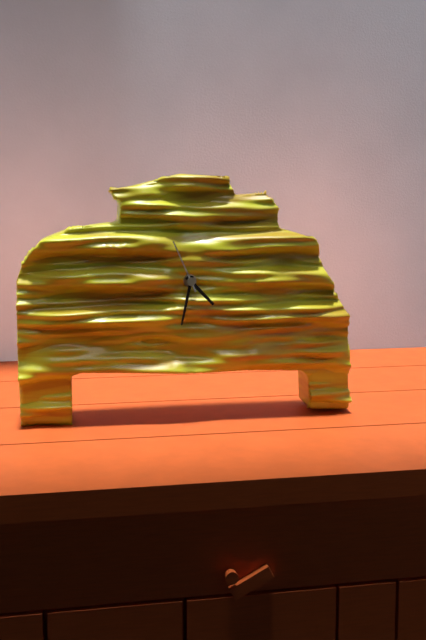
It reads {"hour": 4, "minute": 32, "second": 56}
